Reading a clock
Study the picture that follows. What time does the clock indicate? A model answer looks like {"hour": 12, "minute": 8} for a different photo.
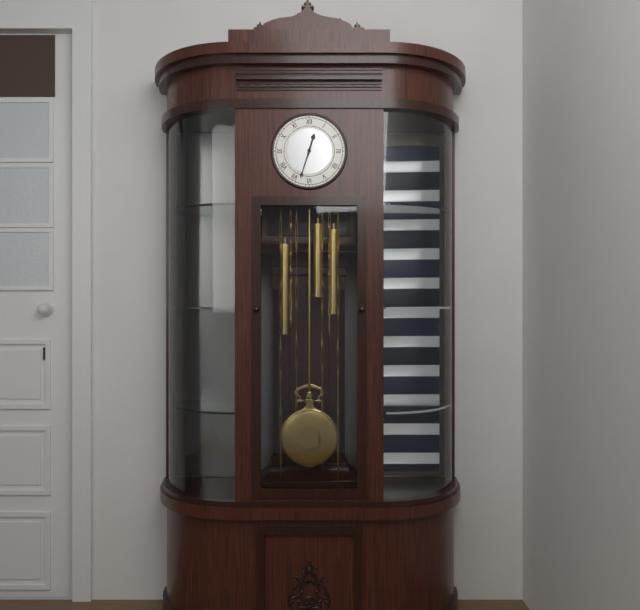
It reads {"hour": 12, "minute": 33}
